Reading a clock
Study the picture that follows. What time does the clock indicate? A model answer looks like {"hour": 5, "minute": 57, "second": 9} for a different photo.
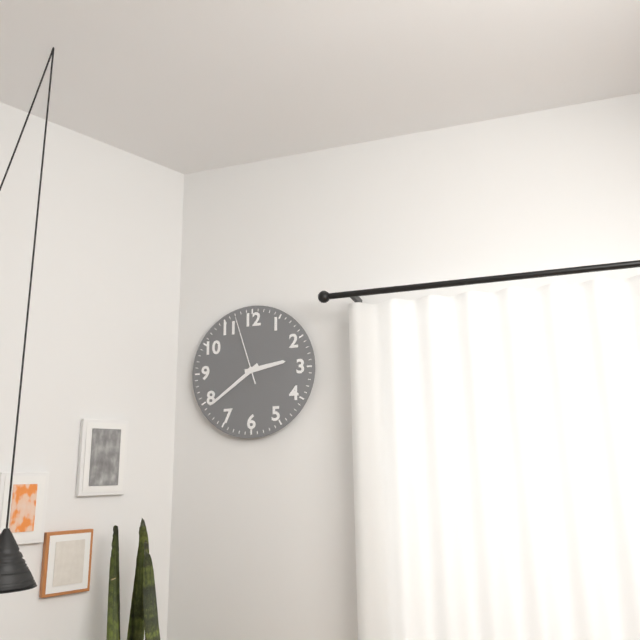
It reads {"hour": 2, "minute": 39, "second": 57}
